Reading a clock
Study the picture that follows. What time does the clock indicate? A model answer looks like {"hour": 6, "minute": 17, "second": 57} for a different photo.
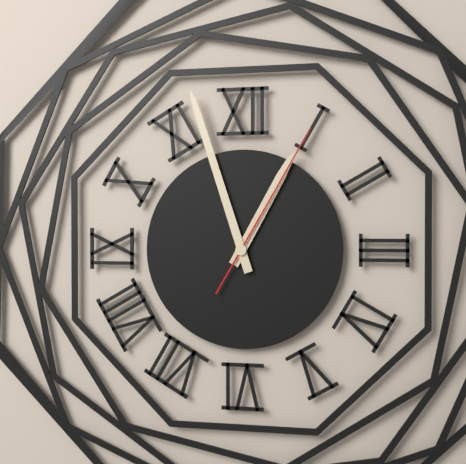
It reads {"hour": 12, "minute": 57, "second": 5}
